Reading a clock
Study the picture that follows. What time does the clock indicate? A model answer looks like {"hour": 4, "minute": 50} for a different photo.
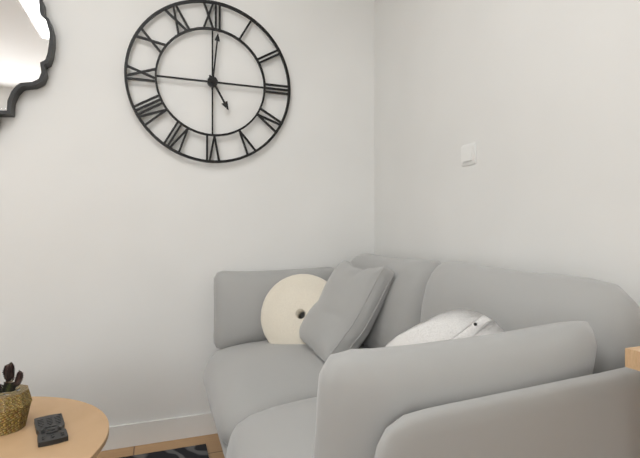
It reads {"hour": 5, "minute": 1}
